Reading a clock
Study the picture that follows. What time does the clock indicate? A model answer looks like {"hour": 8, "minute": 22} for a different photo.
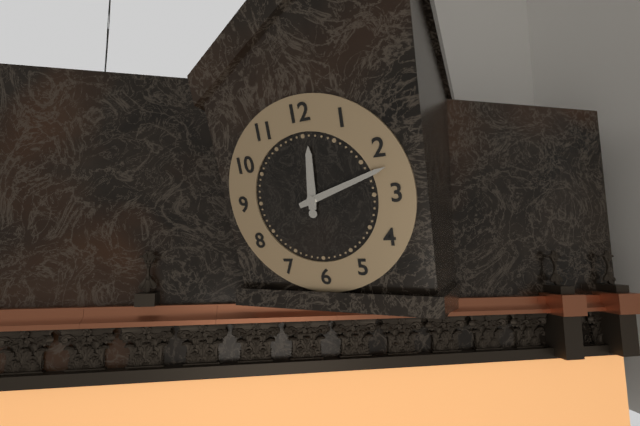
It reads {"hour": 12, "minute": 12}
